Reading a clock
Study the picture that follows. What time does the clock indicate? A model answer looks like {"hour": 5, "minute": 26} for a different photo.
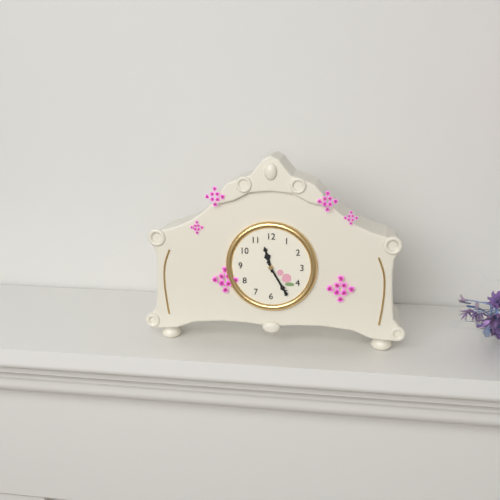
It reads {"hour": 11, "minute": 25}
